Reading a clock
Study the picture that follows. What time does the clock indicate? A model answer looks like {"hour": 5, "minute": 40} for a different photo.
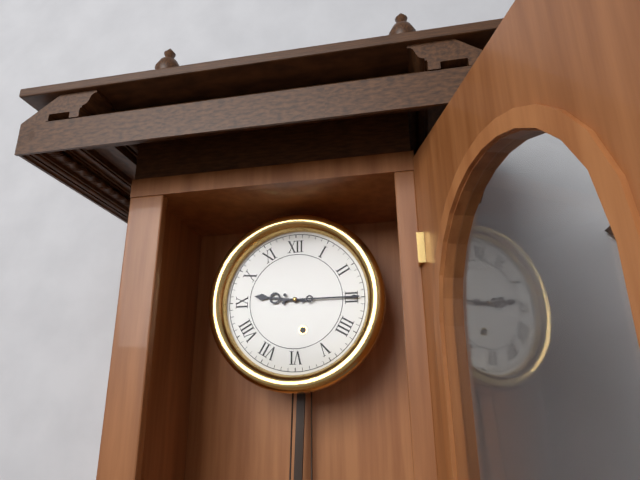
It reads {"hour": 9, "minute": 15}
